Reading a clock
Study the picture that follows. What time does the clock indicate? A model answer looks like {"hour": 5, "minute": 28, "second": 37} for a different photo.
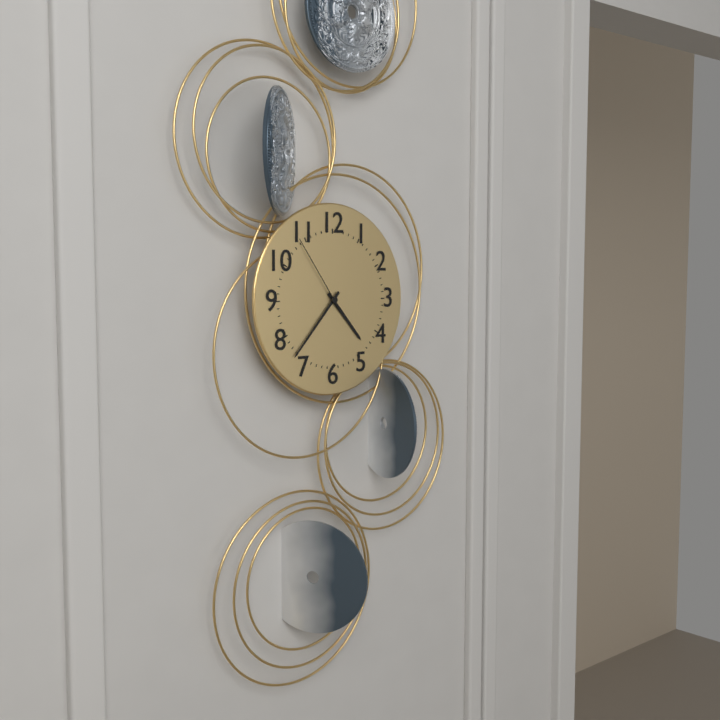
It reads {"hour": 4, "minute": 37, "second": 54}
